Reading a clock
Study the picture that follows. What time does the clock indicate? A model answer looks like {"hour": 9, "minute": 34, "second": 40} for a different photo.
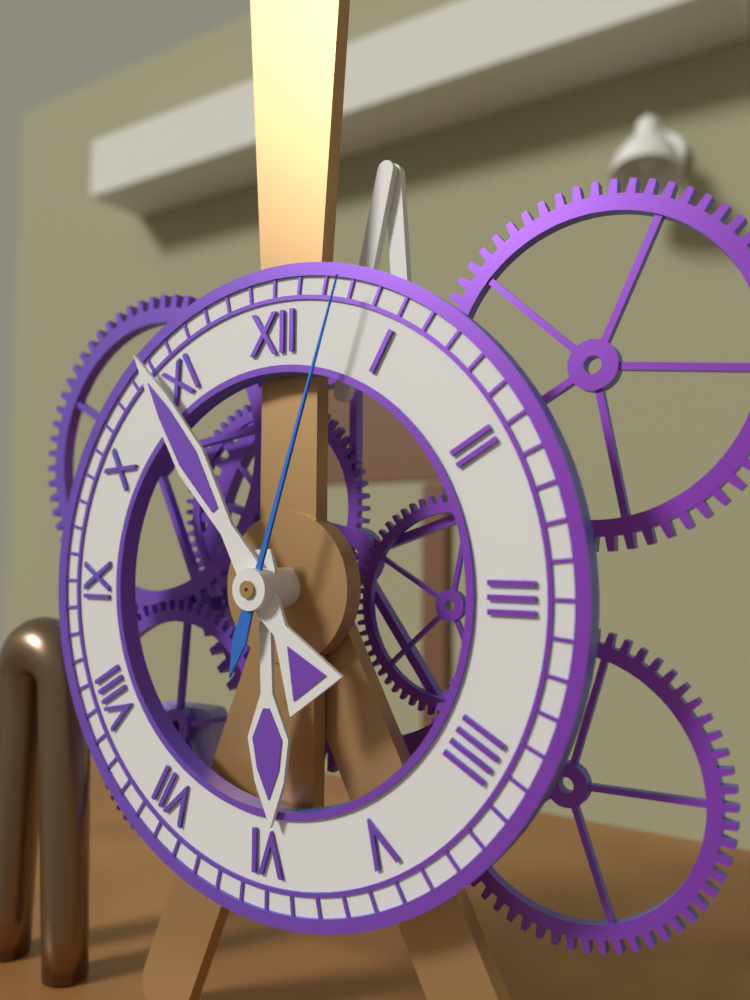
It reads {"hour": 5, "minute": 54, "second": 3}
